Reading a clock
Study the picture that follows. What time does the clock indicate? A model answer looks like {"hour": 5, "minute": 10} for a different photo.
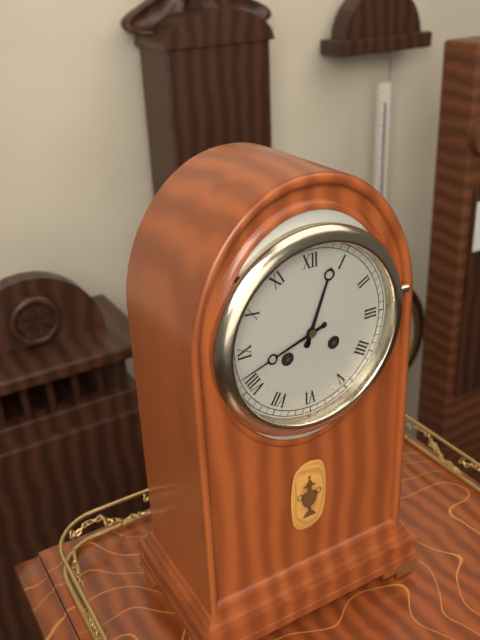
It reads {"hour": 12, "minute": 42}
